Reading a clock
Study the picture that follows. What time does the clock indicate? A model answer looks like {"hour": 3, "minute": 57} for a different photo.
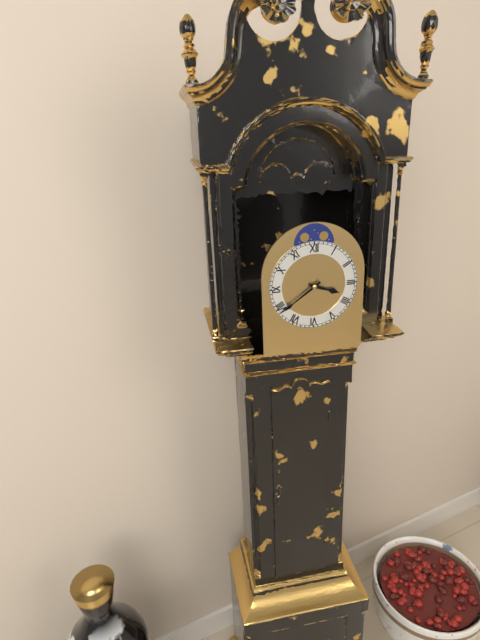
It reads {"hour": 3, "minute": 39}
